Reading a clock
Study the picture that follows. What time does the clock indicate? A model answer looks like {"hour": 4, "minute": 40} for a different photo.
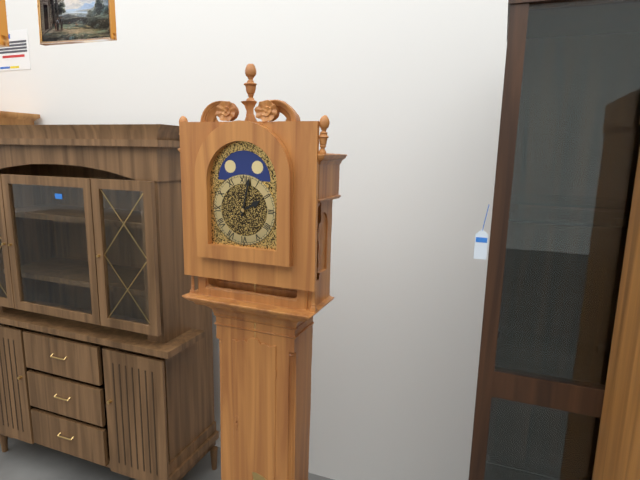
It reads {"hour": 2, "minute": 2}
